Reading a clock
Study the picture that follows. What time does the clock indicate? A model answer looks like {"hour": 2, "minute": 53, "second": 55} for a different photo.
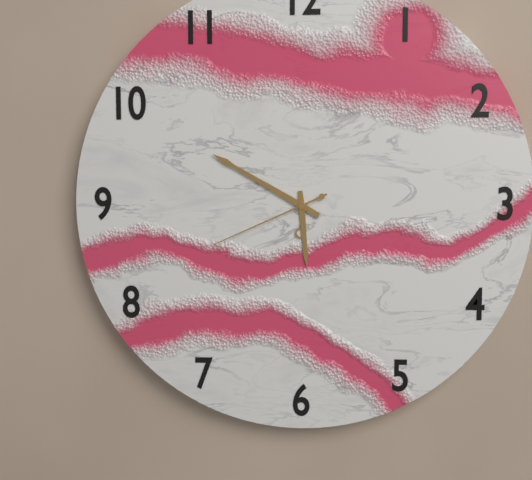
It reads {"hour": 5, "minute": 50, "second": 41}
